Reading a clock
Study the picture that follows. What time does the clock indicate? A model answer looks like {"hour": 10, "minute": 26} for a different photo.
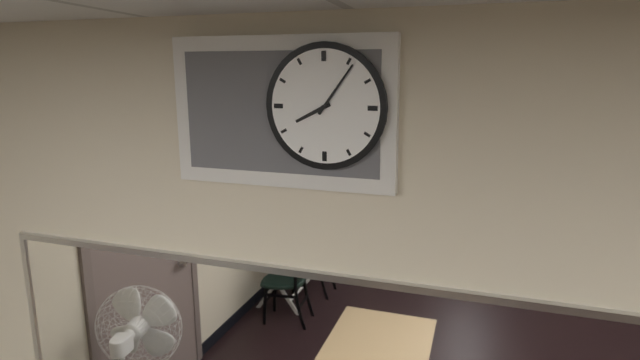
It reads {"hour": 8, "minute": 6}
